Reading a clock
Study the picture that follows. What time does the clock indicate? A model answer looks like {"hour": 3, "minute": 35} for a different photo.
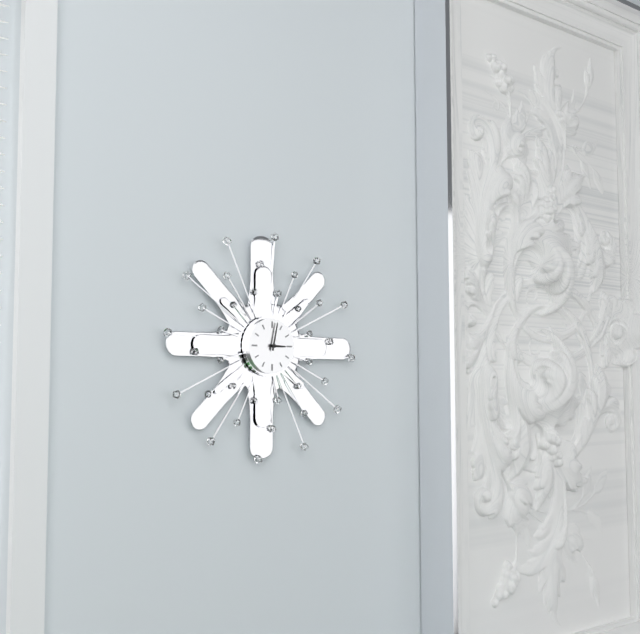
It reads {"hour": 3, "minute": 2}
